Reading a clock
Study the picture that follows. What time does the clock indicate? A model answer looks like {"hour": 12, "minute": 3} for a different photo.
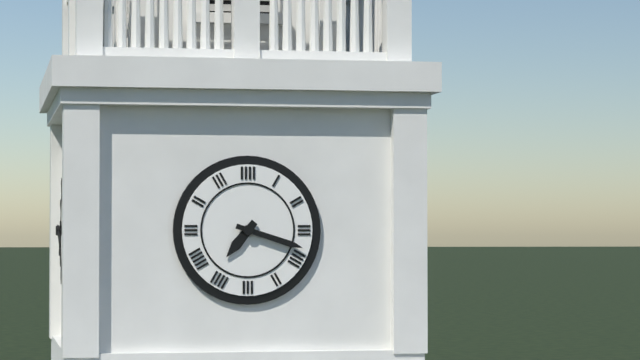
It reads {"hour": 7, "minute": 18}
